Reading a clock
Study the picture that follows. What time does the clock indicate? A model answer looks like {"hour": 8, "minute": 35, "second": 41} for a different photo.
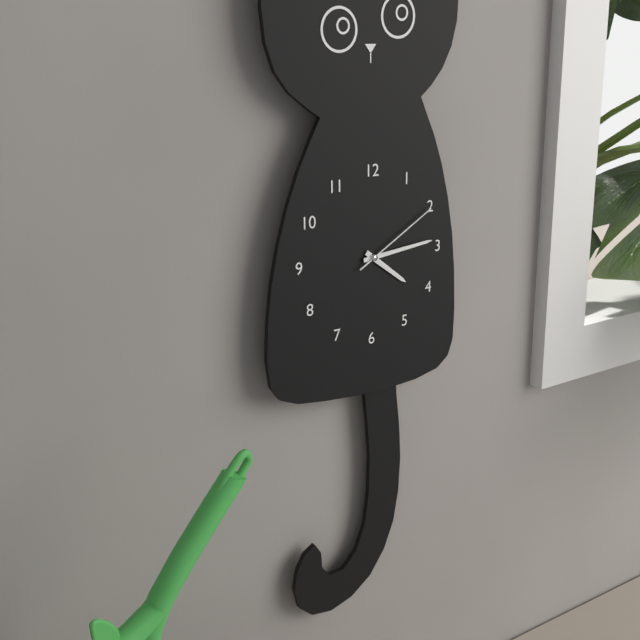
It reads {"hour": 4, "minute": 14, "second": 10}
